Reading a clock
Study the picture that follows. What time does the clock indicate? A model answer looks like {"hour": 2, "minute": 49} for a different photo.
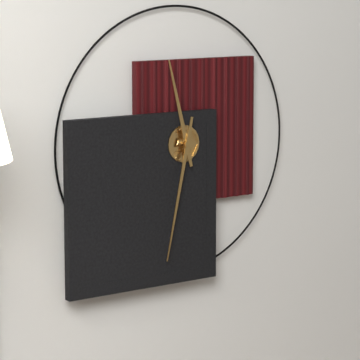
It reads {"hour": 11, "minute": 32}
